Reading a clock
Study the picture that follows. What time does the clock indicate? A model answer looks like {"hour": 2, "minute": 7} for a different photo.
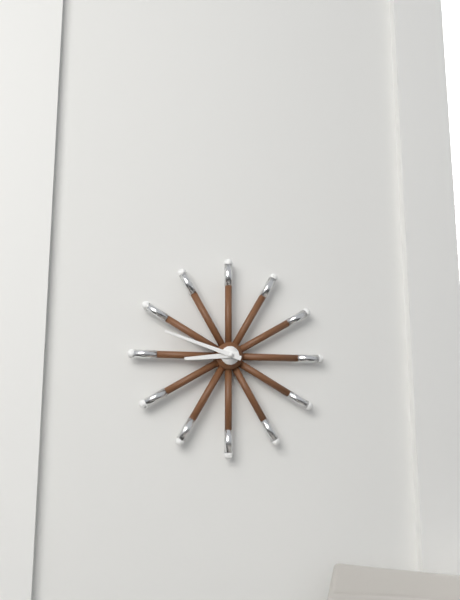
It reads {"hour": 8, "minute": 48}
